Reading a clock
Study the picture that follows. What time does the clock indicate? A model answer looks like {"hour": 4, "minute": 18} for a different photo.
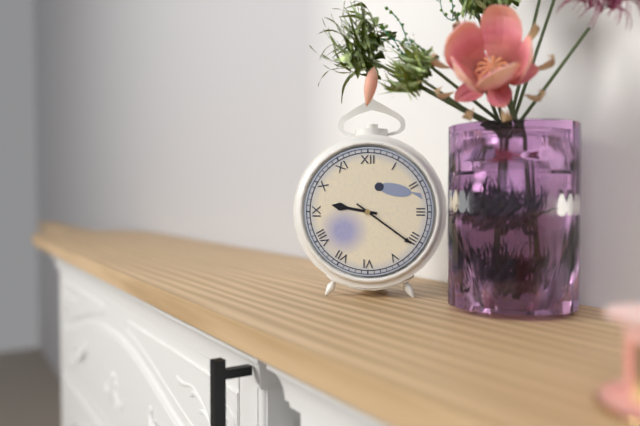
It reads {"hour": 9, "minute": 21}
